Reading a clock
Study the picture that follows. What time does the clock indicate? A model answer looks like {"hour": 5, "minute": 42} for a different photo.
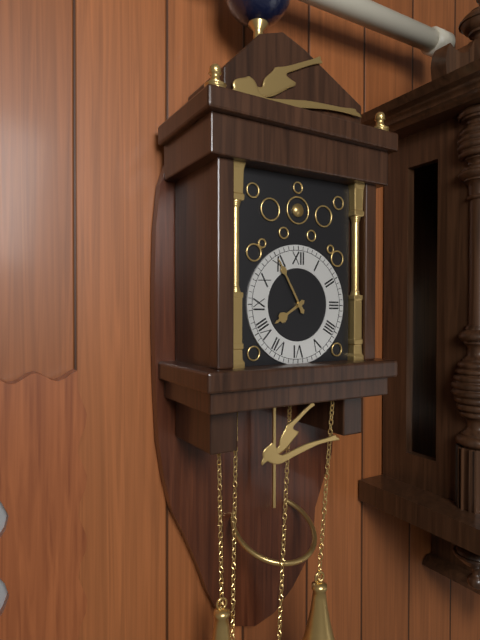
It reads {"hour": 7, "minute": 55}
